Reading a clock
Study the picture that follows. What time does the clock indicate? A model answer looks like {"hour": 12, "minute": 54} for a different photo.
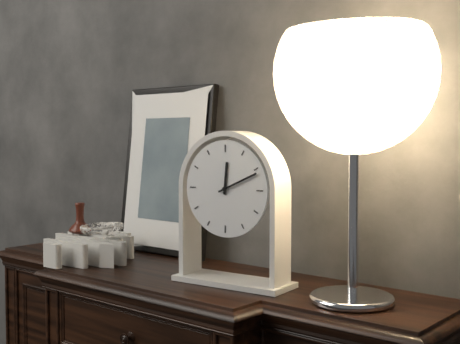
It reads {"hour": 12, "minute": 11}
